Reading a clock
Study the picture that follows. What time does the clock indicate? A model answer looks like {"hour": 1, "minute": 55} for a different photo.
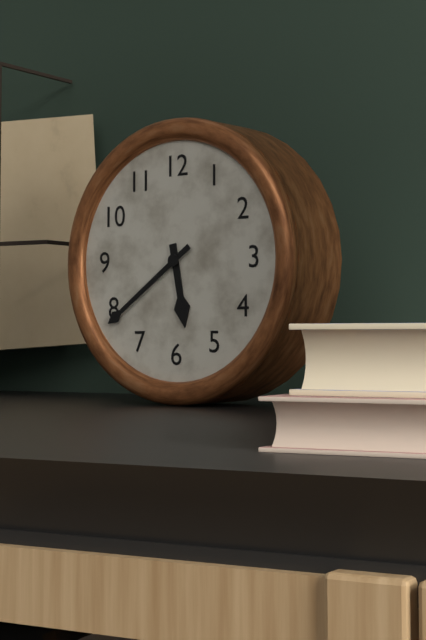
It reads {"hour": 5, "minute": 39}
